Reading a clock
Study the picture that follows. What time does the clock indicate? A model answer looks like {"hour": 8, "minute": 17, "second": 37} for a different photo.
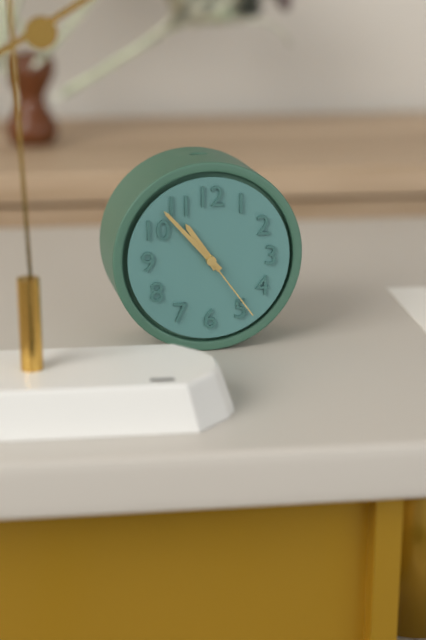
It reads {"hour": 10, "minute": 53, "second": 24}
